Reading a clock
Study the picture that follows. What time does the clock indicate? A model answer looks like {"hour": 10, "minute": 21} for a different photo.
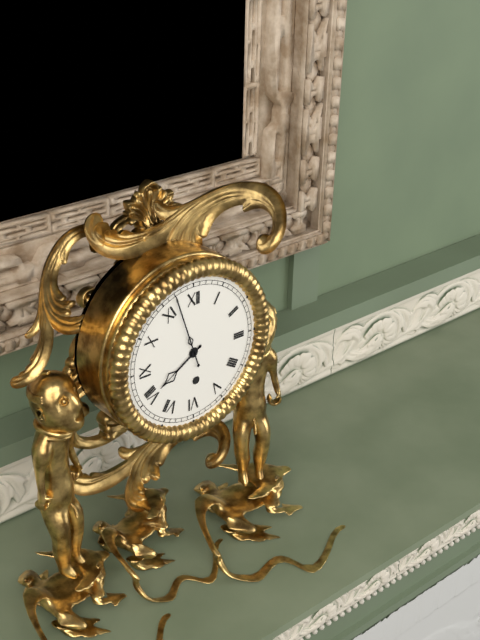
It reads {"hour": 7, "minute": 57}
